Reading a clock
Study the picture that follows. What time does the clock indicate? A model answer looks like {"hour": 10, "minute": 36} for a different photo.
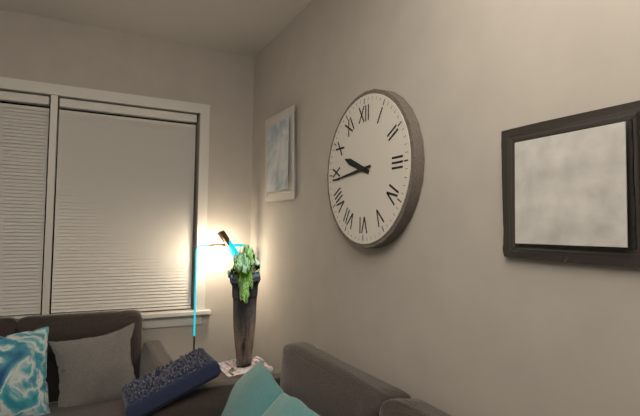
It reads {"hour": 9, "minute": 44}
